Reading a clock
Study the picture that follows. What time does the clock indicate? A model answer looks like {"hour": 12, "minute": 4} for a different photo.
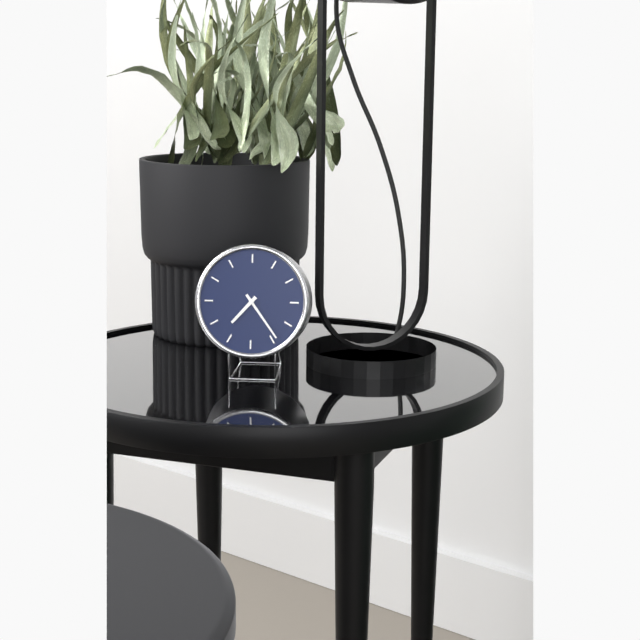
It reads {"hour": 7, "minute": 24}
